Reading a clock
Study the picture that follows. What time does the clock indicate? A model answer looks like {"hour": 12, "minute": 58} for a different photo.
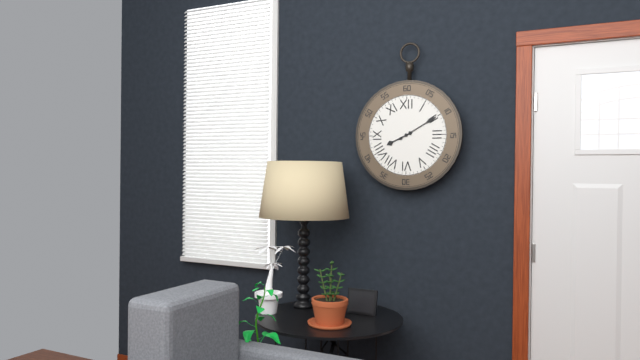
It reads {"hour": 8, "minute": 10}
